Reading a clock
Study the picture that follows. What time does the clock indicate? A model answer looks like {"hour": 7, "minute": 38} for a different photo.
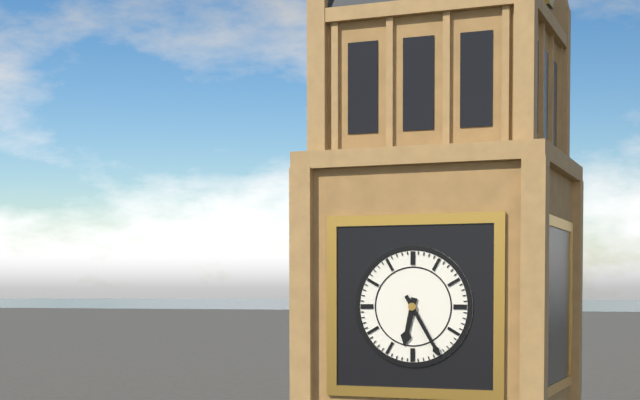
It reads {"hour": 6, "minute": 25}
